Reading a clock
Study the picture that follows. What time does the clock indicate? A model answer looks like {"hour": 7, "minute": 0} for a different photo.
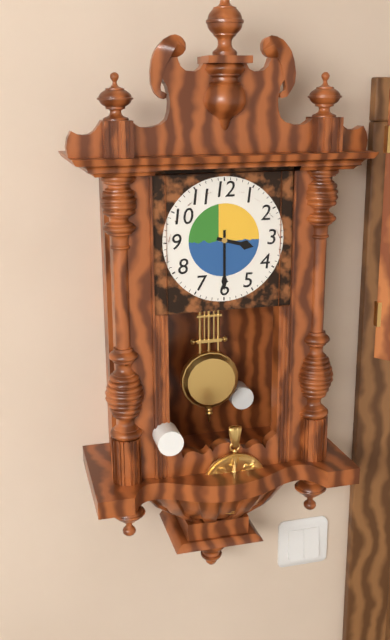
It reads {"hour": 3, "minute": 30}
